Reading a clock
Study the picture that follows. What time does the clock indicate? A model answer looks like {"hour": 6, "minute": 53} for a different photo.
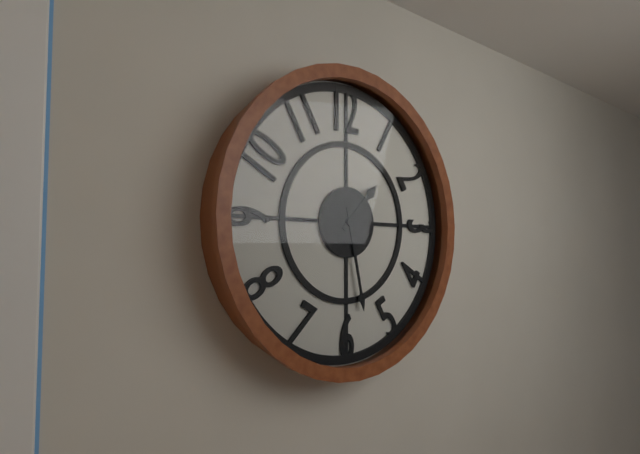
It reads {"hour": 1, "minute": 28}
